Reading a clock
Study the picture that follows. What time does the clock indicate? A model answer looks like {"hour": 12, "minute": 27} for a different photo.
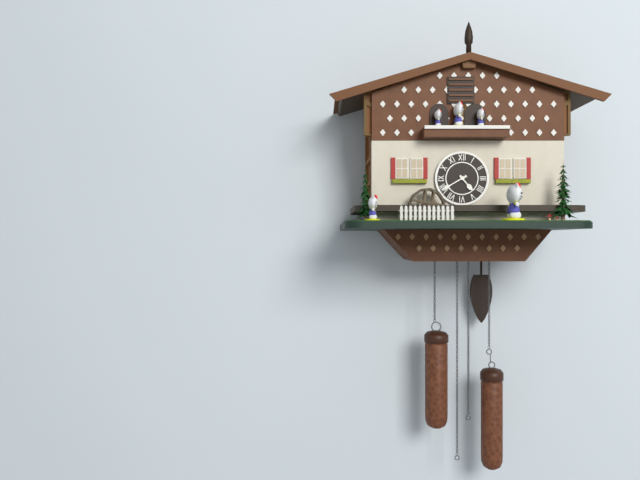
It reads {"hour": 4, "minute": 40}
